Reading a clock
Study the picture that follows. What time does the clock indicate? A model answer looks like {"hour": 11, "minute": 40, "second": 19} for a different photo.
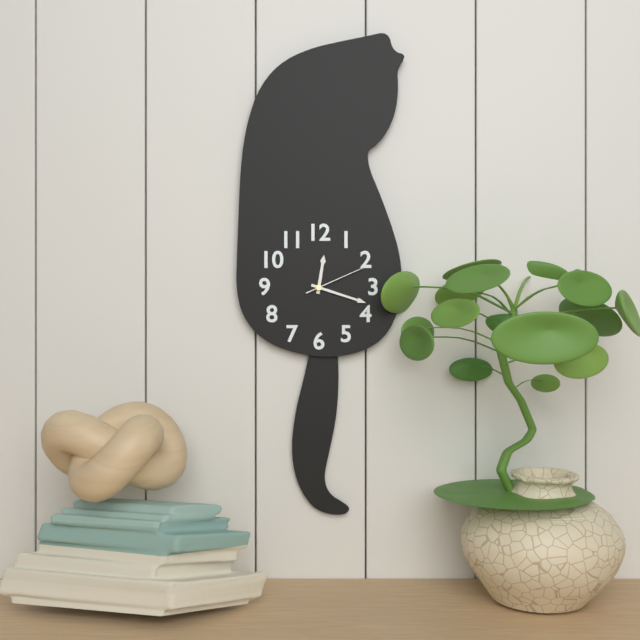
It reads {"hour": 12, "minute": 18, "second": 11}
